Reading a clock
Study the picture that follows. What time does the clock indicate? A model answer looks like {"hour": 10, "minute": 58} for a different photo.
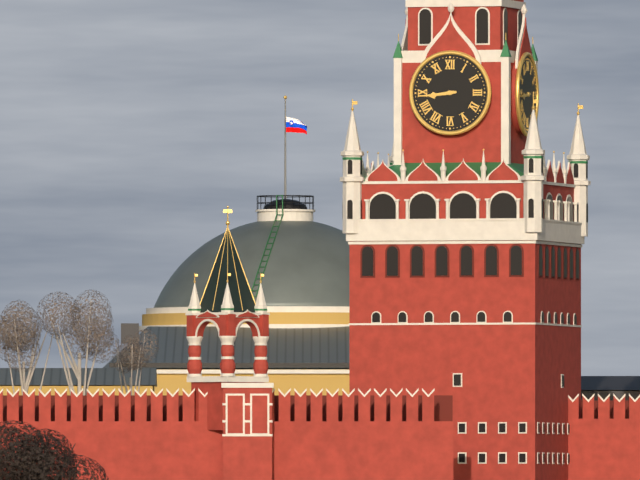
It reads {"hour": 8, "minute": 44}
